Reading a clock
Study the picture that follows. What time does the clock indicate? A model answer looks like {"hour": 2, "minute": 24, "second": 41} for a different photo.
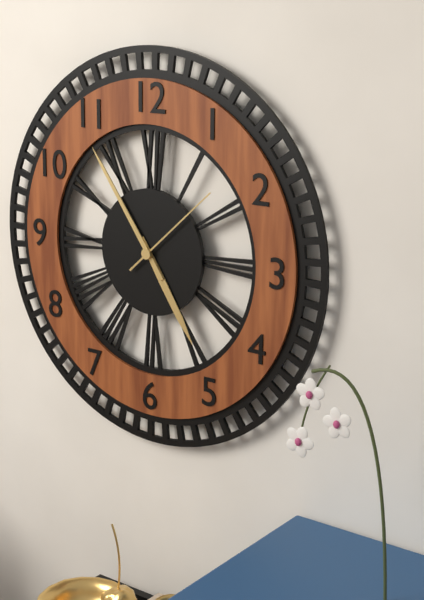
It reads {"hour": 4, "minute": 54, "second": 8}
